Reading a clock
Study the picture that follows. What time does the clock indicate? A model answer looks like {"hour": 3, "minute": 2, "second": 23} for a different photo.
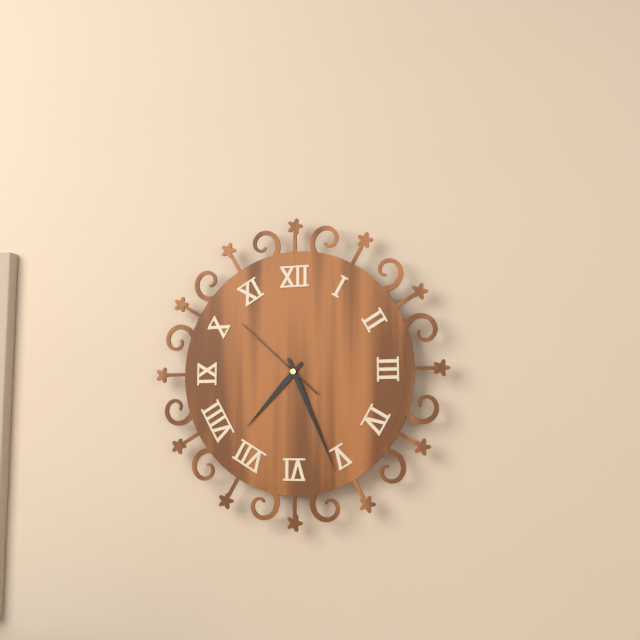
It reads {"hour": 7, "minute": 26, "second": 52}
